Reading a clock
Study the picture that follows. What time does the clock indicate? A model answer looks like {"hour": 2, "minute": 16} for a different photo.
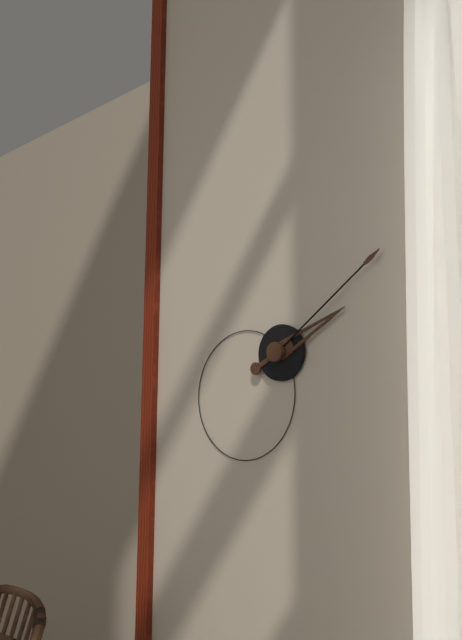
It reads {"hour": 2, "minute": 9}
